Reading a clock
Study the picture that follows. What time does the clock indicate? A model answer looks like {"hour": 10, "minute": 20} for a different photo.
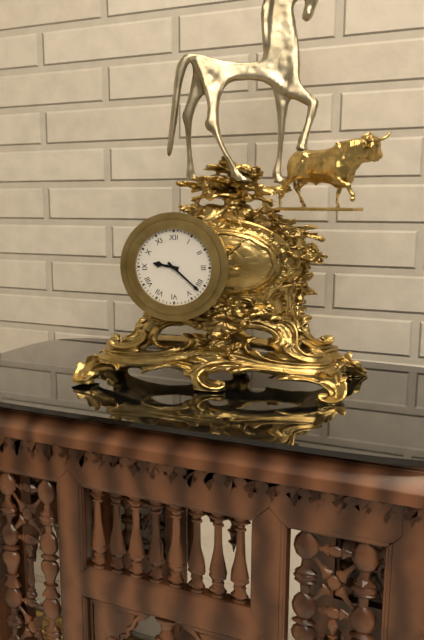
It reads {"hour": 9, "minute": 22}
